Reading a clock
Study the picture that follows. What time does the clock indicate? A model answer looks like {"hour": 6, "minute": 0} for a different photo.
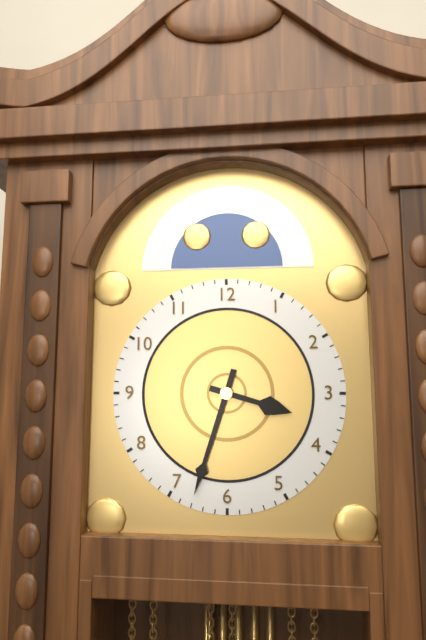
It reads {"hour": 3, "minute": 33}
